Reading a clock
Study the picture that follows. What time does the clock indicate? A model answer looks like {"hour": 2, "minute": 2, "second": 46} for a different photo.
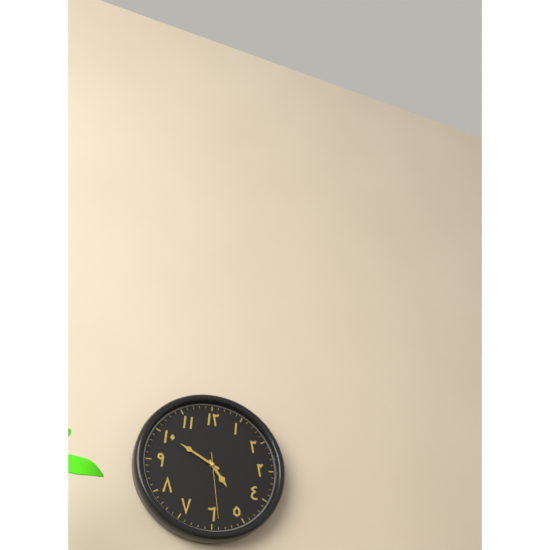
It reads {"hour": 4, "minute": 50, "second": 29}
